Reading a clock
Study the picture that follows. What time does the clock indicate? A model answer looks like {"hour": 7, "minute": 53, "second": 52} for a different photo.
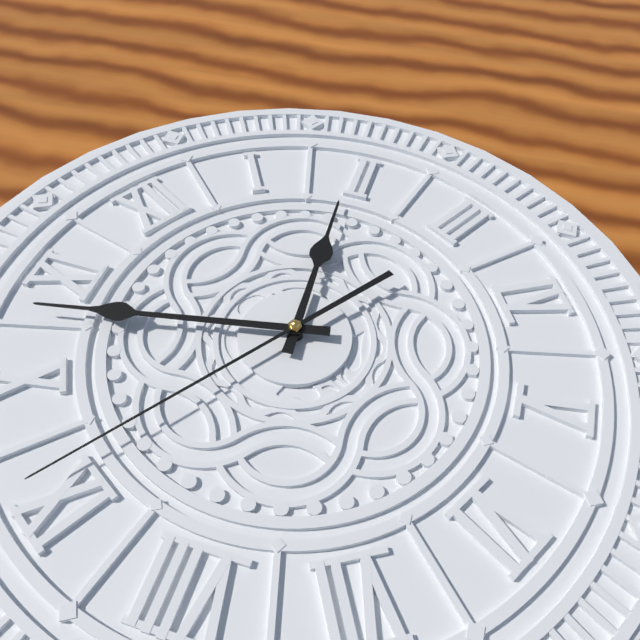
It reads {"hour": 1, "minute": 53, "second": 46}
